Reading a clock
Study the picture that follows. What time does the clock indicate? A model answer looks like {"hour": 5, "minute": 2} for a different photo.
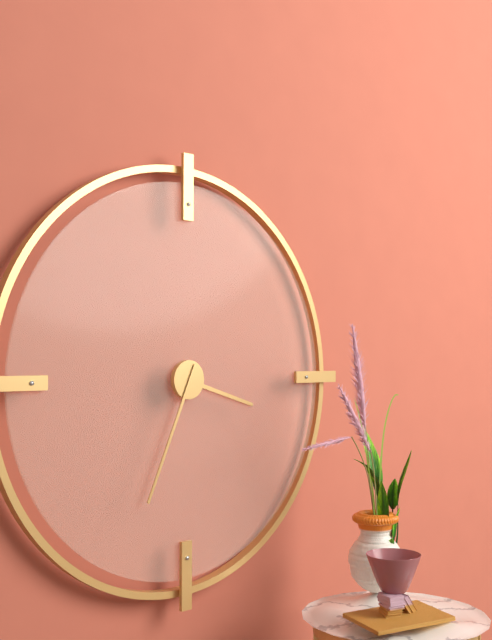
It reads {"hour": 3, "minute": 34}
